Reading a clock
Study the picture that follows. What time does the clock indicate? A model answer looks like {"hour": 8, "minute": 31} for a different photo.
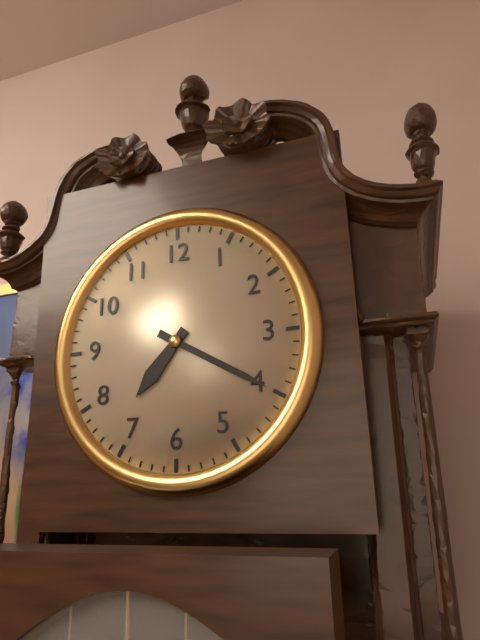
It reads {"hour": 7, "minute": 20}
